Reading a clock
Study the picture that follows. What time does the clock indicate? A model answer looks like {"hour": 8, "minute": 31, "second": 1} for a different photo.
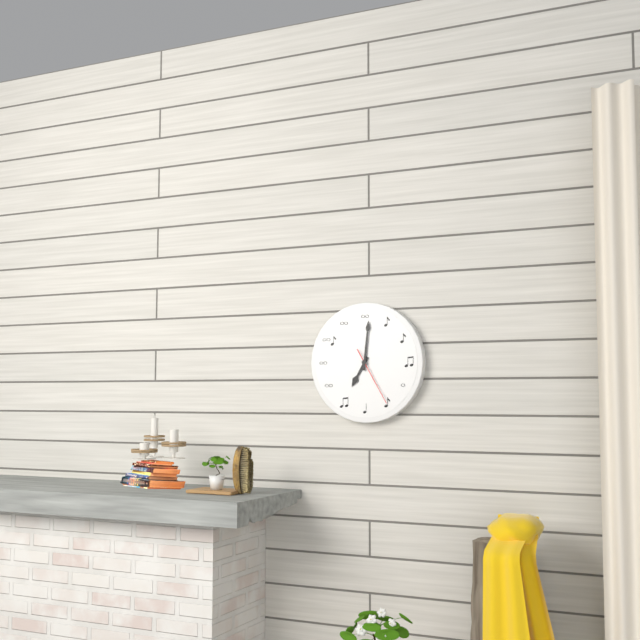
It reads {"hour": 7, "minute": 1, "second": 25}
